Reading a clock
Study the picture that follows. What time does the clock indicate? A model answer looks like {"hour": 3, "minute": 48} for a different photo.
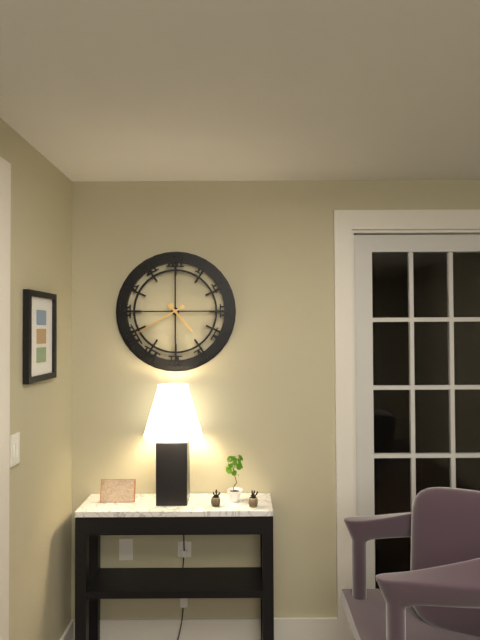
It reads {"hour": 4, "minute": 40}
